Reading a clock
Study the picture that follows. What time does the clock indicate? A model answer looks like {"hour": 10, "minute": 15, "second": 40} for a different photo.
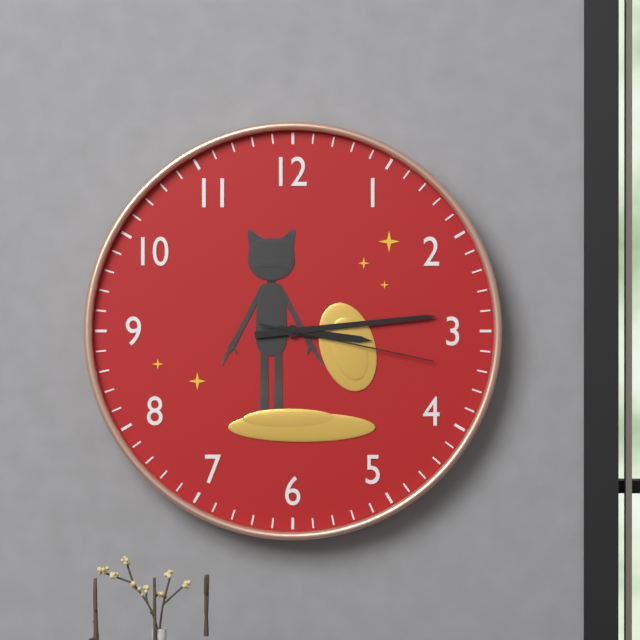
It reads {"hour": 3, "minute": 14, "second": 17}
